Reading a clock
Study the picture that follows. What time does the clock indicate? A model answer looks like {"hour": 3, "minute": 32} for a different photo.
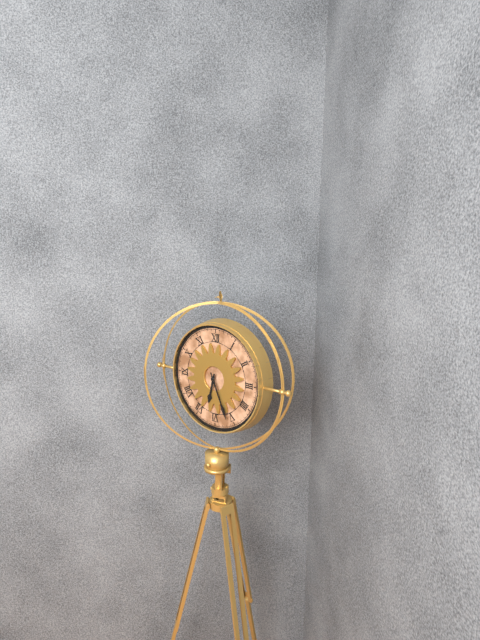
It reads {"hour": 6, "minute": 26}
